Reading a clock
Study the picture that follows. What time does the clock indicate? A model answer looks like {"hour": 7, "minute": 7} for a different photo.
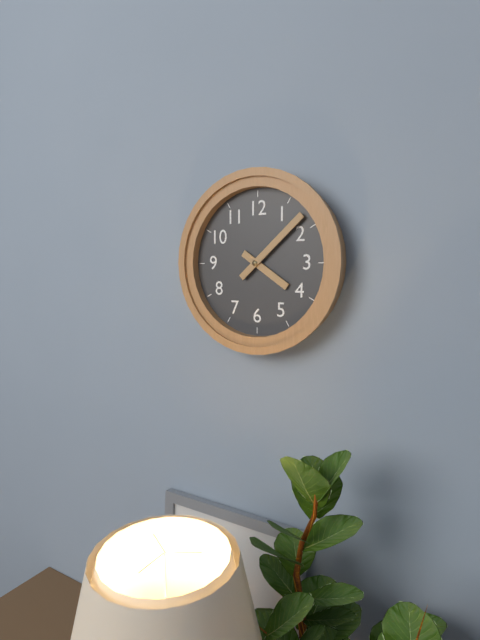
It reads {"hour": 4, "minute": 8}
